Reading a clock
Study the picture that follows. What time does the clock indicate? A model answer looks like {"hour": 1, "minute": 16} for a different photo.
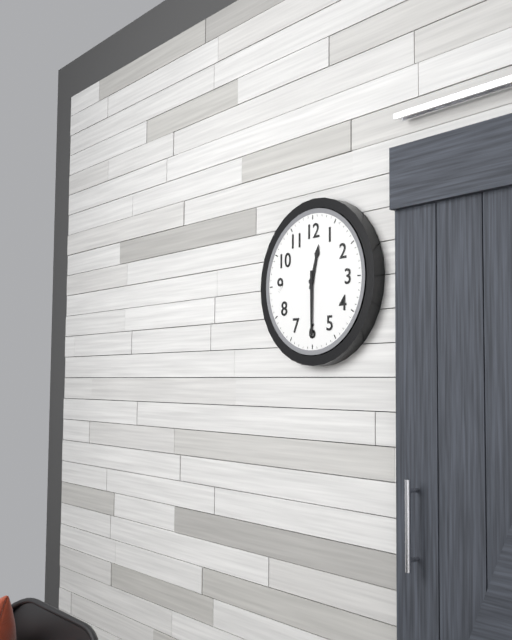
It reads {"hour": 12, "minute": 30}
